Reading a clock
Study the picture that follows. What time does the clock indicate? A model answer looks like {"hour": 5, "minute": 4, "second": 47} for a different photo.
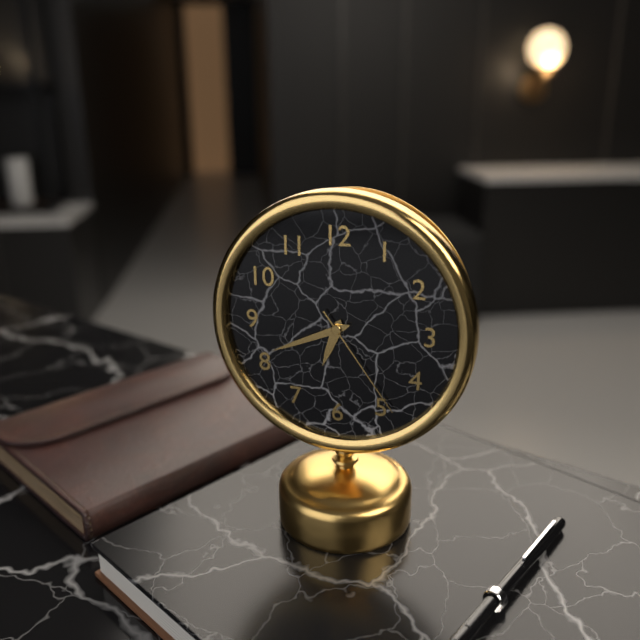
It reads {"hour": 6, "minute": 41, "second": 24}
